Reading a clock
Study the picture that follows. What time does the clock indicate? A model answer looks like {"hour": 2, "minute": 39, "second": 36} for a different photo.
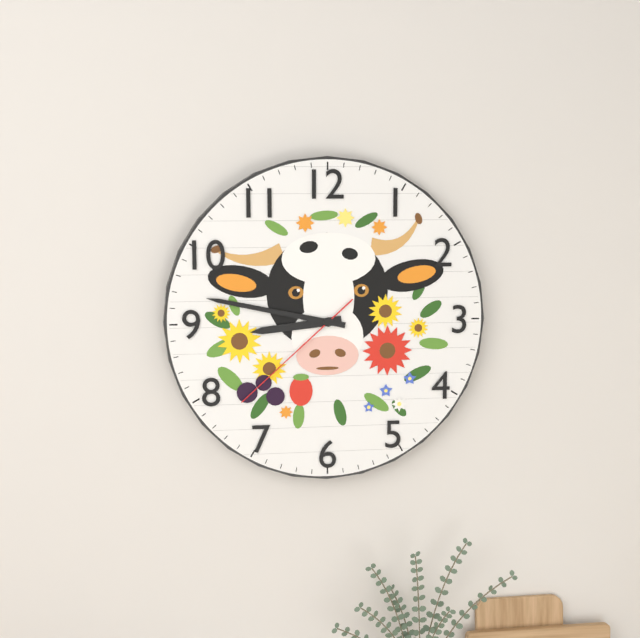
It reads {"hour": 8, "minute": 47, "second": 38}
